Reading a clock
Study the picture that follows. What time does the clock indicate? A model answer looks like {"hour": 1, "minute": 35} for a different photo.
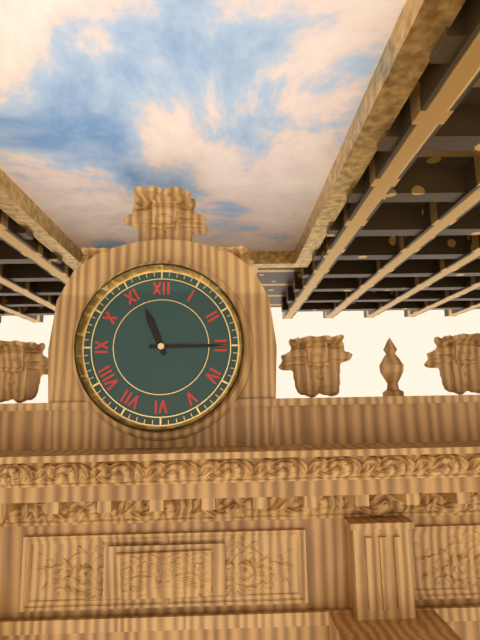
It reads {"hour": 11, "minute": 15}
